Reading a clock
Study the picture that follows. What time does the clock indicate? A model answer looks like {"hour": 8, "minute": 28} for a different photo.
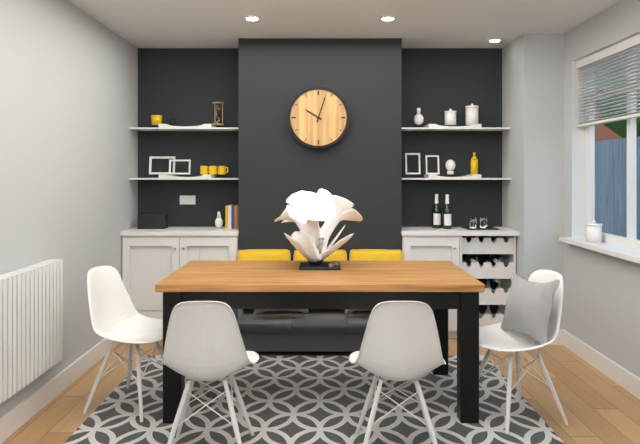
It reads {"hour": 10, "minute": 3}
